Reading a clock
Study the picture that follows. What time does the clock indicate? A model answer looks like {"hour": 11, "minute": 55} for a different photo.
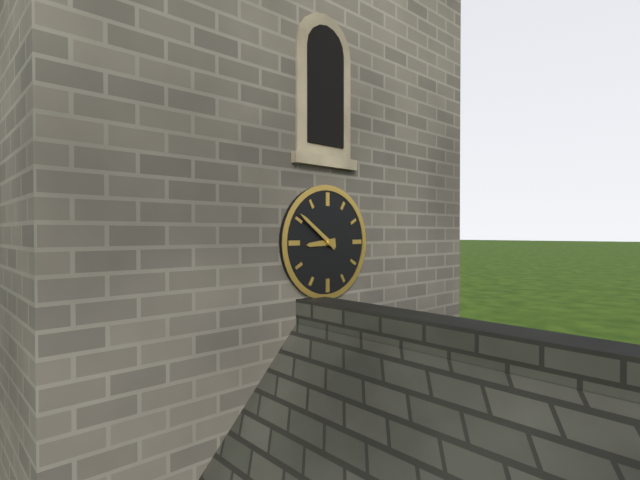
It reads {"hour": 8, "minute": 51}
